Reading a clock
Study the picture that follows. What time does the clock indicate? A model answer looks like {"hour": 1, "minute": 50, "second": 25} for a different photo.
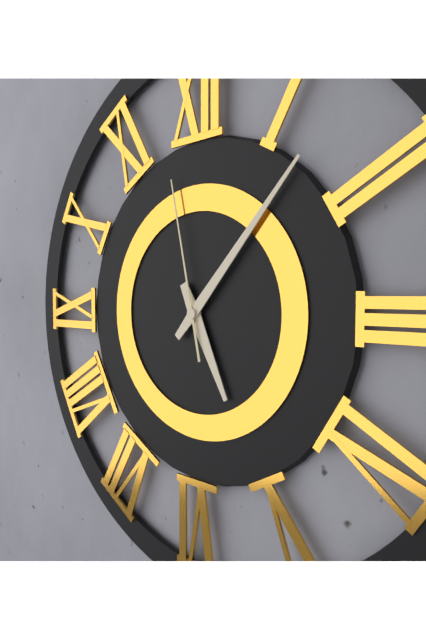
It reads {"hour": 5, "minute": 7, "second": 58}
